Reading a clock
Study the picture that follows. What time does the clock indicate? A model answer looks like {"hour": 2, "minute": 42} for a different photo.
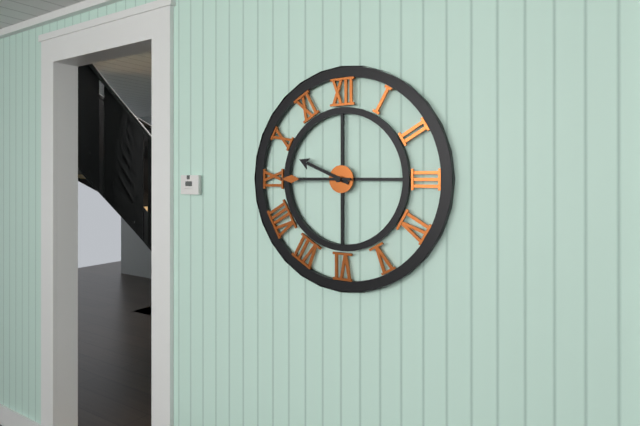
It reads {"hour": 9, "minute": 45}
